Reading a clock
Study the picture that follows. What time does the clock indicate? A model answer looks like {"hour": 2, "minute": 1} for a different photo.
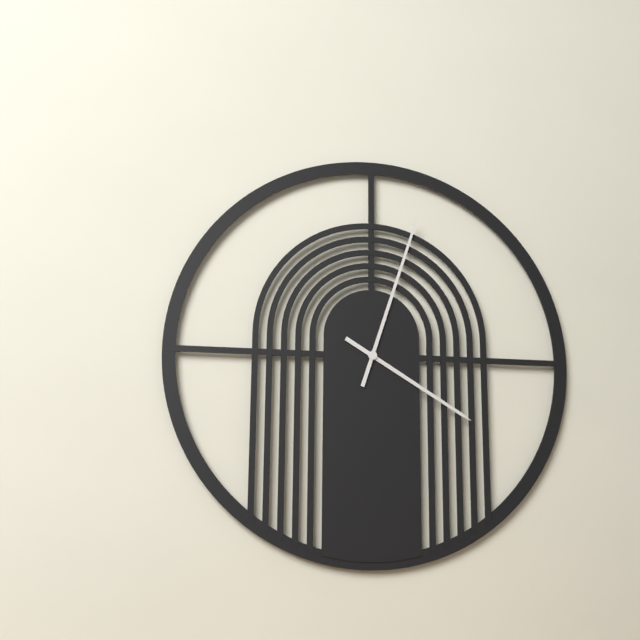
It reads {"hour": 4, "minute": 3}
